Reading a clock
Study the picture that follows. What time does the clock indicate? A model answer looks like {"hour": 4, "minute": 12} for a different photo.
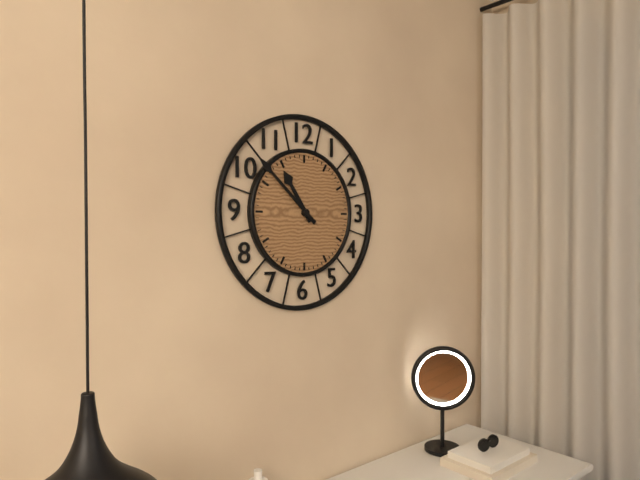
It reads {"hour": 10, "minute": 52}
